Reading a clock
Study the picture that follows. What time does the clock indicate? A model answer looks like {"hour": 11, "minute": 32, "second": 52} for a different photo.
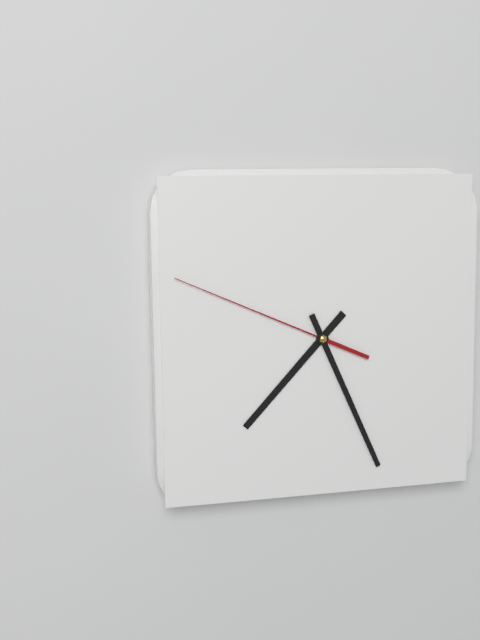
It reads {"hour": 7, "minute": 26, "second": 49}
